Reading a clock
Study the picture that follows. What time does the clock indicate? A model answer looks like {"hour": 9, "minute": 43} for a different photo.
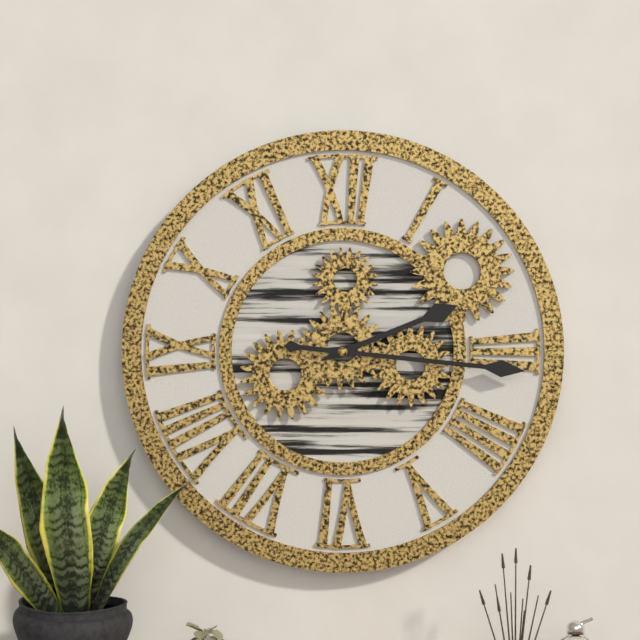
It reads {"hour": 2, "minute": 16}
